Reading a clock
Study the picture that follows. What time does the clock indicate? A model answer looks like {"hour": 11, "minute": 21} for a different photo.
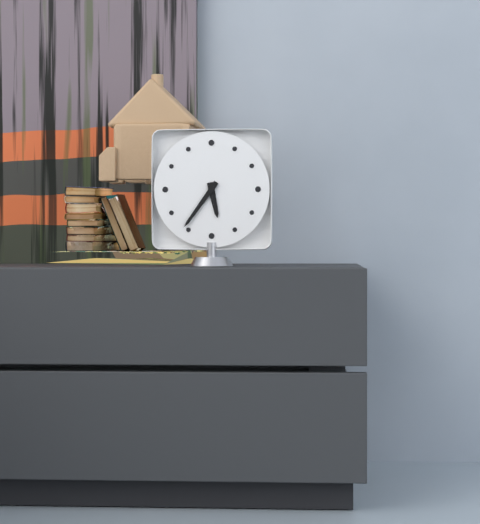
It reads {"hour": 5, "minute": 36}
